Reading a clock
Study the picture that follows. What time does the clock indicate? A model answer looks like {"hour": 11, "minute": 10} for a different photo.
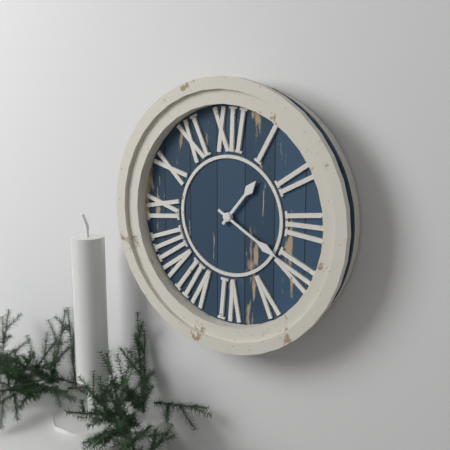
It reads {"hour": 1, "minute": 20}
